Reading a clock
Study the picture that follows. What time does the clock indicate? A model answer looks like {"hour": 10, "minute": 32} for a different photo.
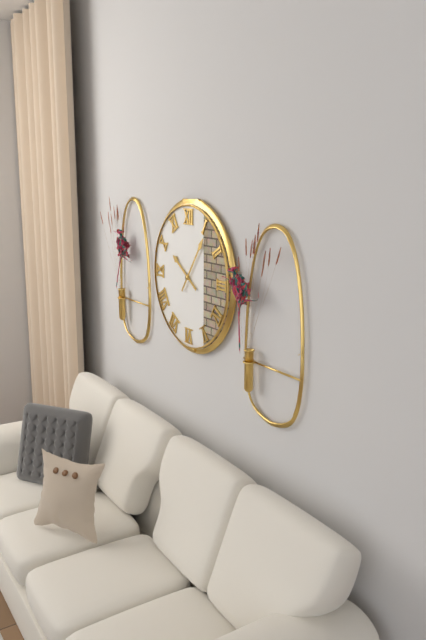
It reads {"hour": 10, "minute": 6}
